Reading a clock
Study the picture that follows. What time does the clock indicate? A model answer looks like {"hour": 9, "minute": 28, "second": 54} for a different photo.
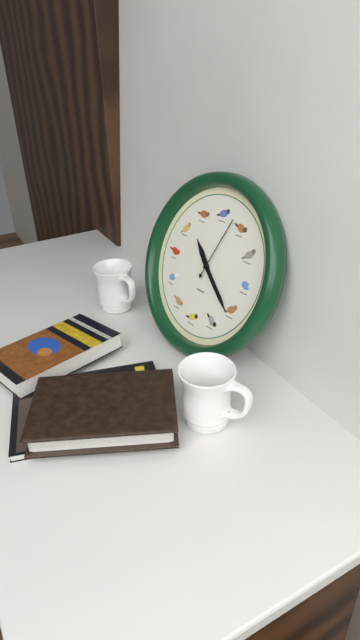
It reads {"hour": 10, "minute": 21, "second": 3}
